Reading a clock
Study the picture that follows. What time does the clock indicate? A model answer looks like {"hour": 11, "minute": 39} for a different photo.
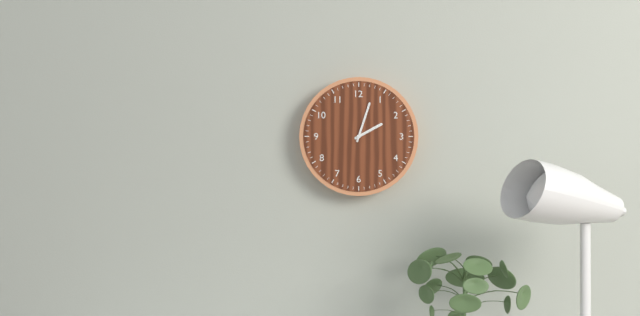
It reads {"hour": 2, "minute": 3}
